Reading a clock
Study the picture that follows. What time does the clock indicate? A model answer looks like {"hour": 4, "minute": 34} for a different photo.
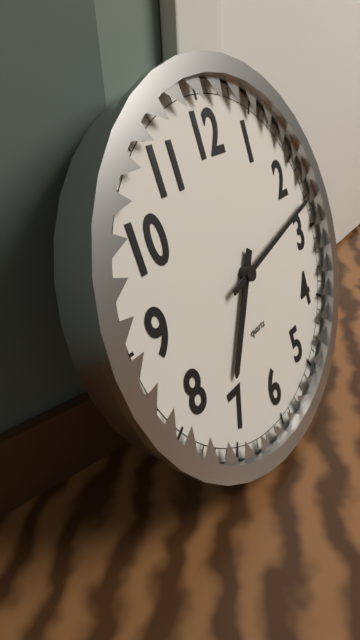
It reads {"hour": 7, "minute": 13}
